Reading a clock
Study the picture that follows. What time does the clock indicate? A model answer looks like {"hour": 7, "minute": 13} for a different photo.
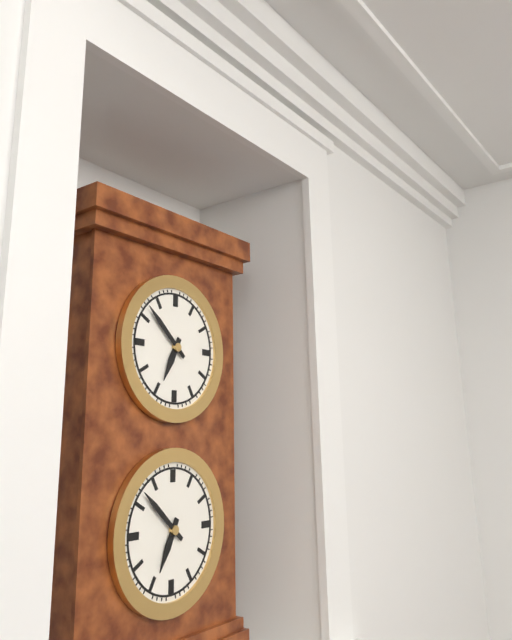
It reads {"hour": 6, "minute": 52}
